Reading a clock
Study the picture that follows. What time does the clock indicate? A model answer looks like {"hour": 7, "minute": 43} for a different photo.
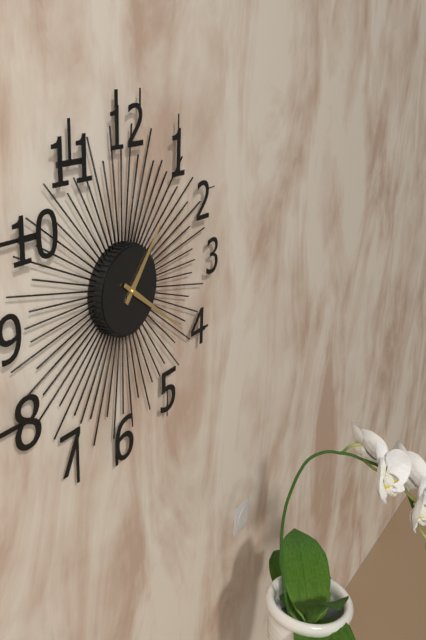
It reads {"hour": 1, "minute": 21}
